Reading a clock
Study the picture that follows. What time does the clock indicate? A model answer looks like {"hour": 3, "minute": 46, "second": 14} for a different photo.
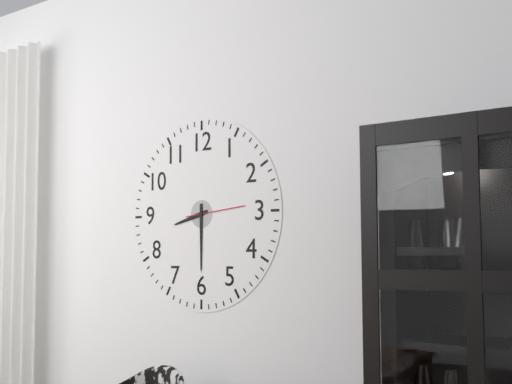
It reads {"hour": 8, "minute": 30, "second": 14}
